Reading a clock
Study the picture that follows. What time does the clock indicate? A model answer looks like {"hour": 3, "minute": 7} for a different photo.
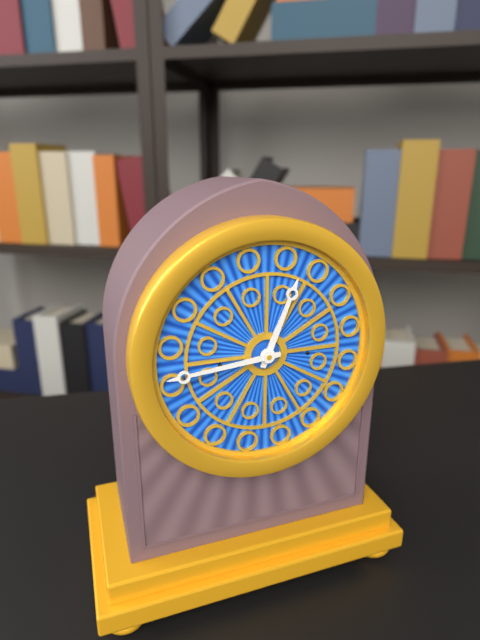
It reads {"hour": 12, "minute": 44}
